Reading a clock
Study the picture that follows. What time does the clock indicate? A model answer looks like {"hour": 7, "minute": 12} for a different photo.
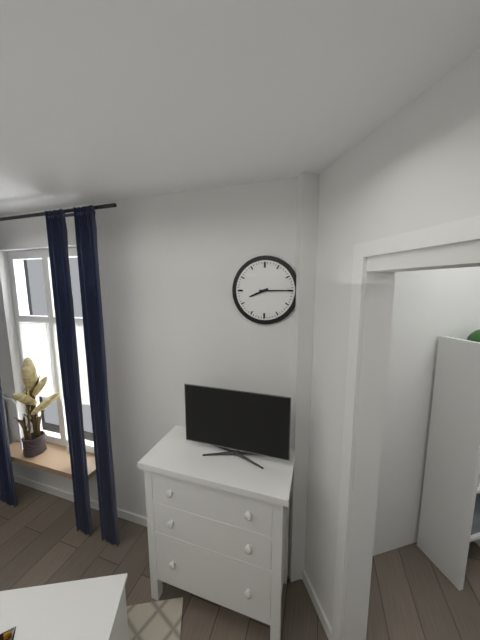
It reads {"hour": 8, "minute": 15}
